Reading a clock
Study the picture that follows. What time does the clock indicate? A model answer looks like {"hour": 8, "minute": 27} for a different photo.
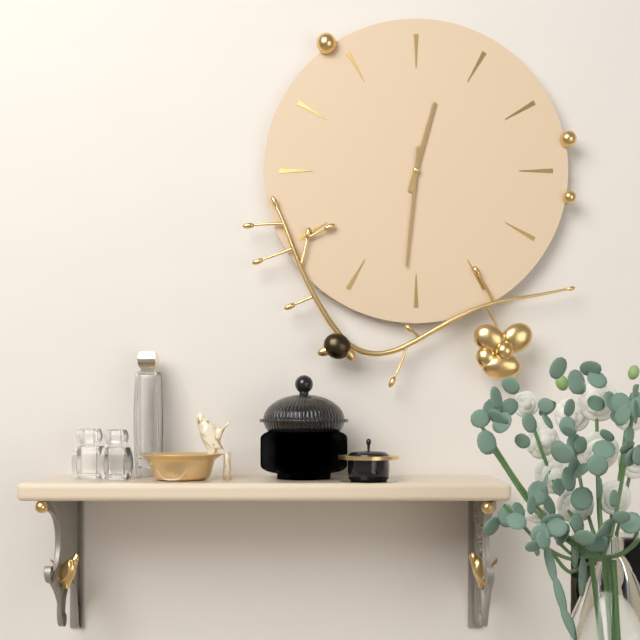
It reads {"hour": 12, "minute": 31}
